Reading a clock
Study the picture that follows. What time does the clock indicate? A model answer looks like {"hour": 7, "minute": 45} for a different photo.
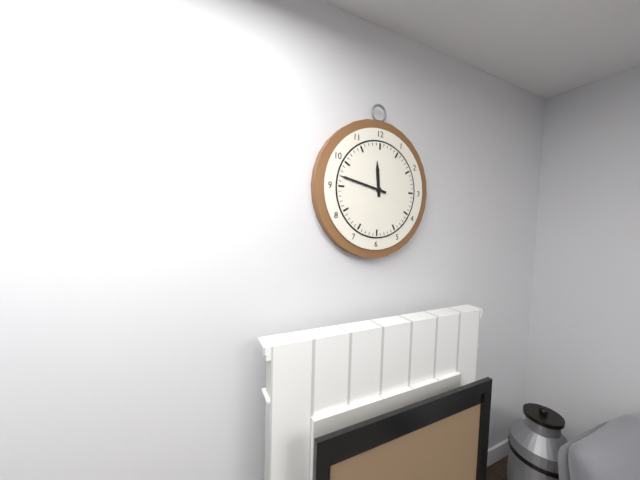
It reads {"hour": 11, "minute": 47}
